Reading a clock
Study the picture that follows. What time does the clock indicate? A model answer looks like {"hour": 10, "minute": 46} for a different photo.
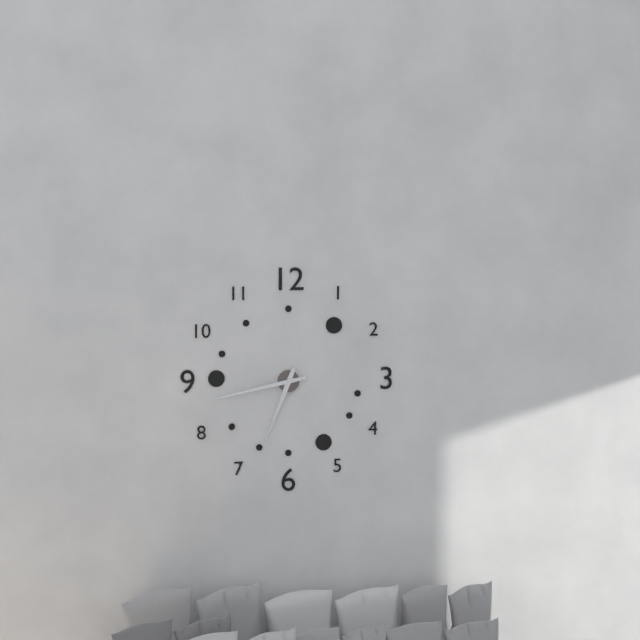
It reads {"hour": 6, "minute": 43}
